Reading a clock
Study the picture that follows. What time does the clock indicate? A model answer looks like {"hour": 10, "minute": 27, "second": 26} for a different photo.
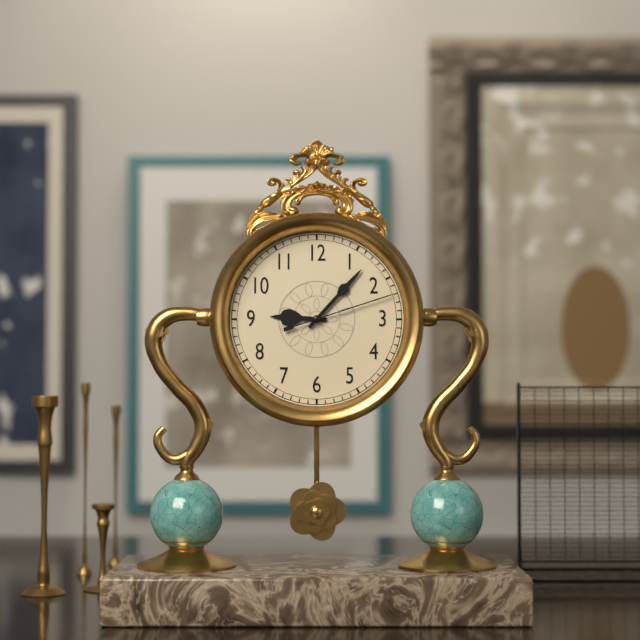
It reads {"hour": 9, "minute": 7, "second": 12}
